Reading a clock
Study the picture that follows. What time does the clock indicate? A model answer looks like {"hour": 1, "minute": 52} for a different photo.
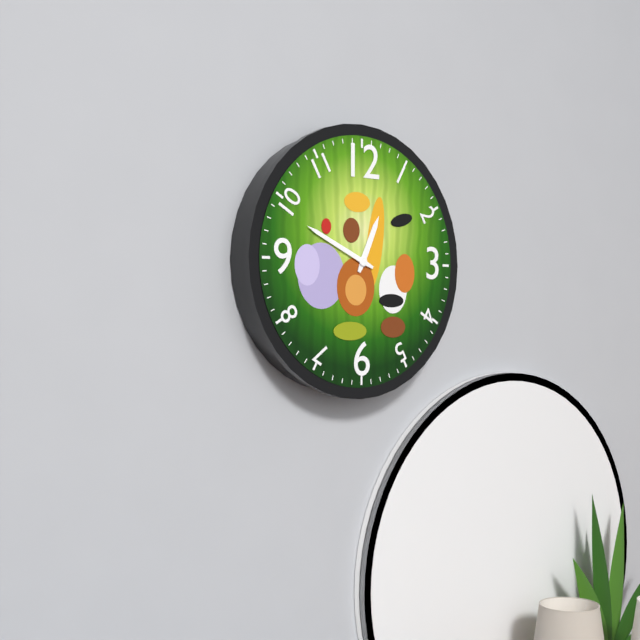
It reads {"hour": 12, "minute": 49}
